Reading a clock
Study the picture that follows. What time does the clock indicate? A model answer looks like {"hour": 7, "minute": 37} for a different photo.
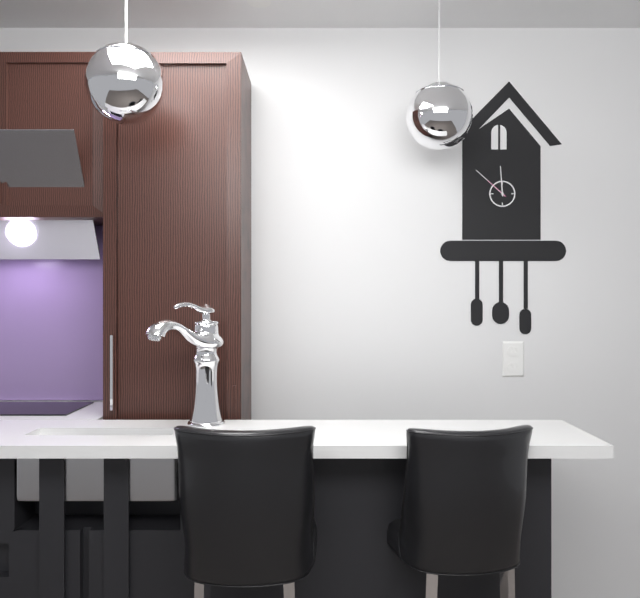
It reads {"hour": 11, "minute": 52}
